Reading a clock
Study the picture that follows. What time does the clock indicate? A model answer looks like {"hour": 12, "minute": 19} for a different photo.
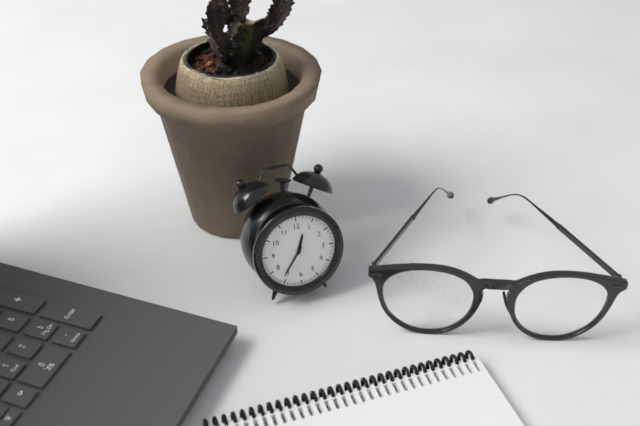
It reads {"hour": 12, "minute": 36}
